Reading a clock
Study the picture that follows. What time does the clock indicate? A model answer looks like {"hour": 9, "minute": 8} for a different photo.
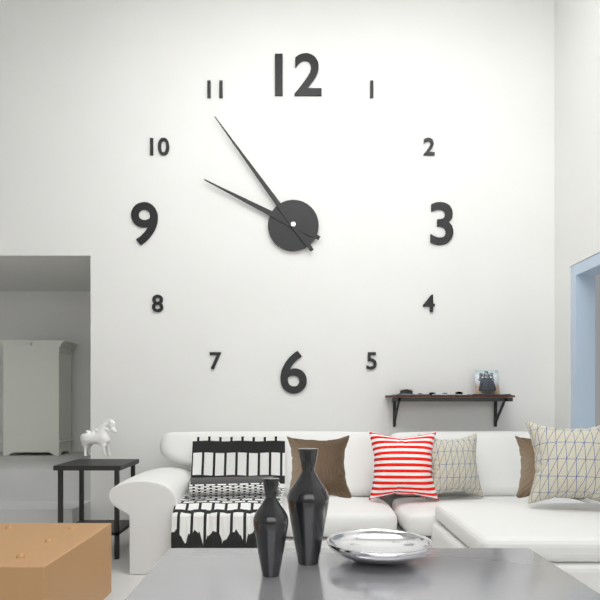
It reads {"hour": 9, "minute": 54}
